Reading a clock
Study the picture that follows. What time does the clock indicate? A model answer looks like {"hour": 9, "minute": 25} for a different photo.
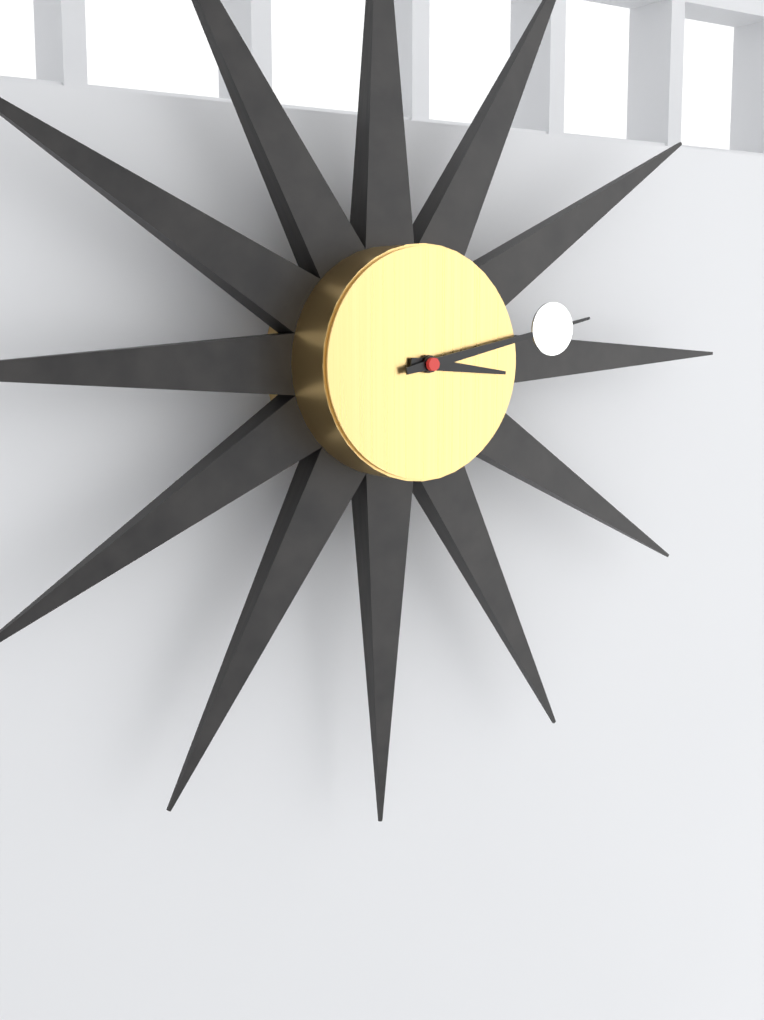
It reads {"hour": 3, "minute": 13}
